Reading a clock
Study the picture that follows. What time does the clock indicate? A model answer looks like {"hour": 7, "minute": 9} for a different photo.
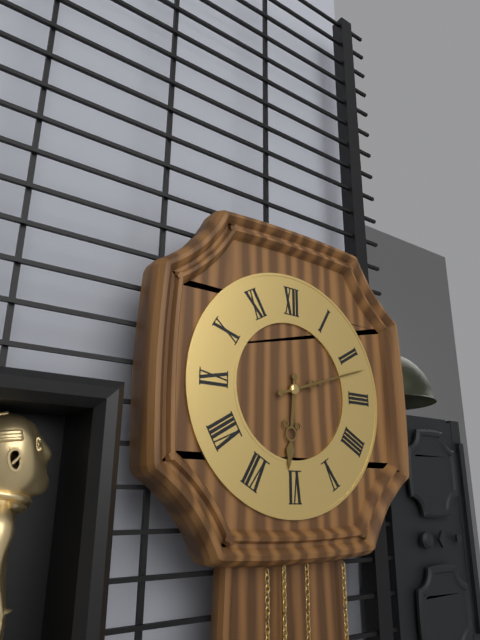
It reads {"hour": 6, "minute": 12}
